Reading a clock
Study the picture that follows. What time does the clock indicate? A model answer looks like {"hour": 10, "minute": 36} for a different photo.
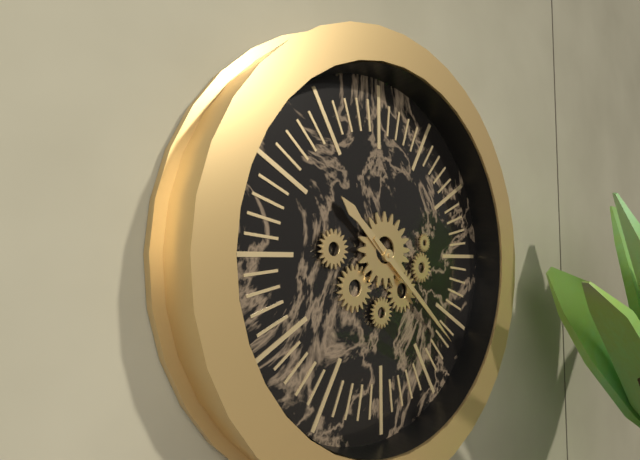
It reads {"hour": 10, "minute": 22}
